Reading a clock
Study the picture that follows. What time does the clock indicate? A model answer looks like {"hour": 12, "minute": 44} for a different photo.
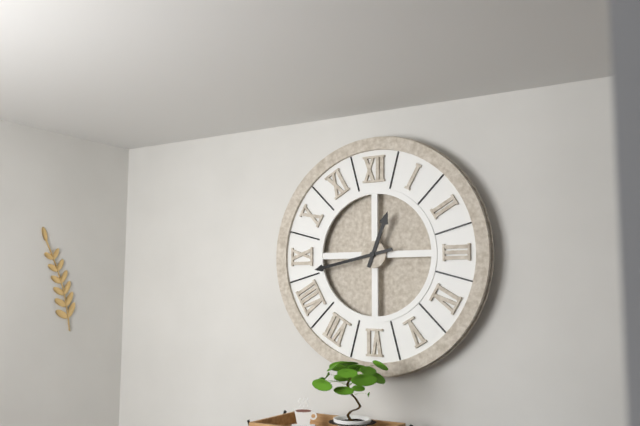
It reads {"hour": 12, "minute": 43}
